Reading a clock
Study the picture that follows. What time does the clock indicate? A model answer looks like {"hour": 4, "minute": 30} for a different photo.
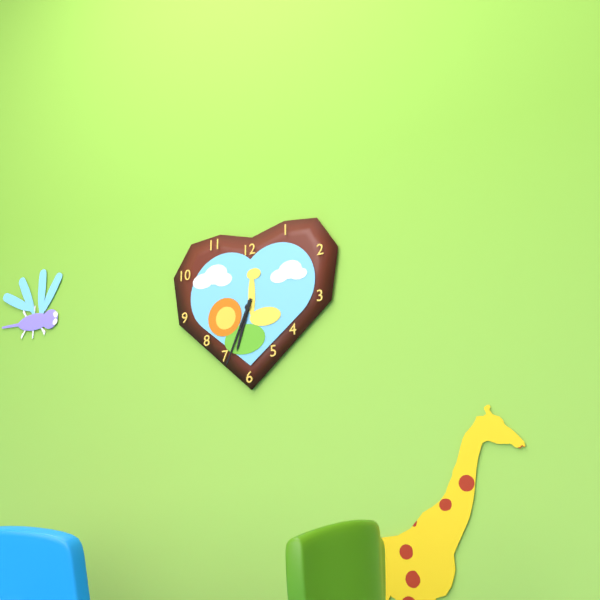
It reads {"hour": 6, "minute": 34}
